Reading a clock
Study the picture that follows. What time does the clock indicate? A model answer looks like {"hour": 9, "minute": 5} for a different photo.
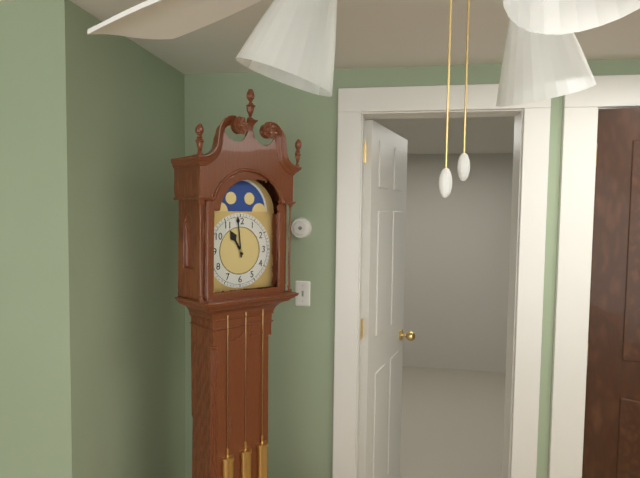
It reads {"hour": 10, "minute": 59}
